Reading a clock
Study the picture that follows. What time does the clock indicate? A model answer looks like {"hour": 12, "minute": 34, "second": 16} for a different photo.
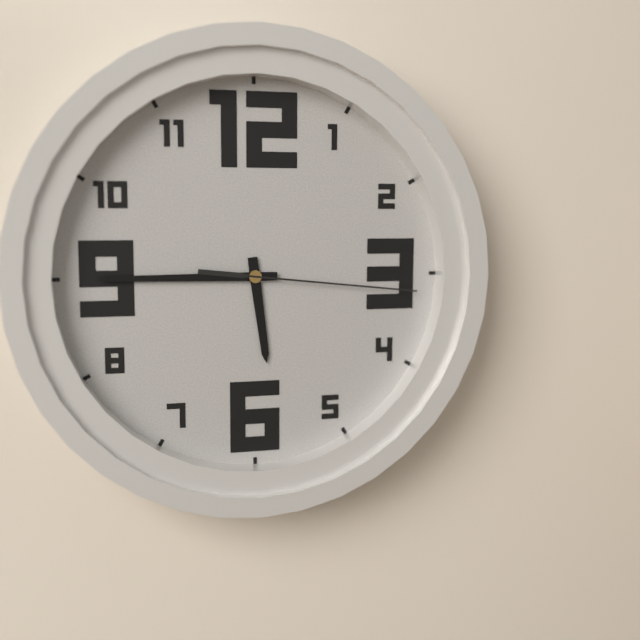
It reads {"hour": 5, "minute": 45, "second": 16}
